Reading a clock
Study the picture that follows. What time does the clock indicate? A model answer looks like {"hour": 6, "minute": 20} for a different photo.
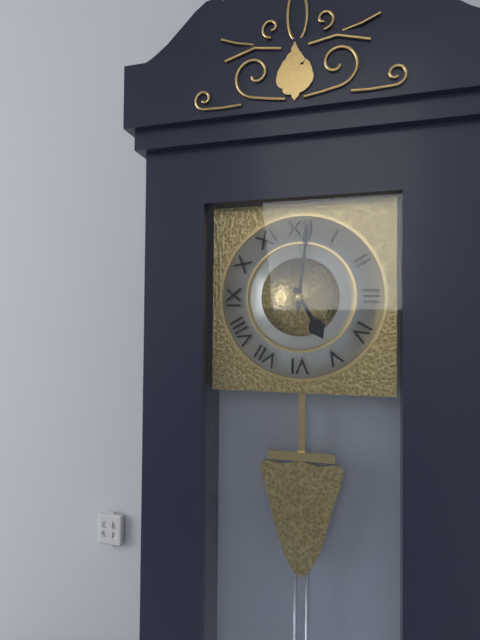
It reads {"hour": 5, "minute": 1}
